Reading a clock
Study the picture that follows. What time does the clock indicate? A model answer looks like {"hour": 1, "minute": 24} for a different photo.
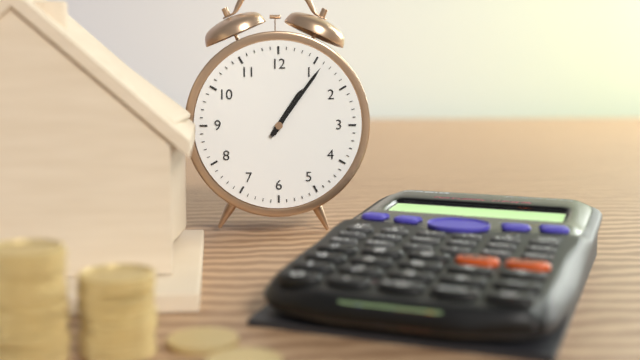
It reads {"hour": 1, "minute": 6}
